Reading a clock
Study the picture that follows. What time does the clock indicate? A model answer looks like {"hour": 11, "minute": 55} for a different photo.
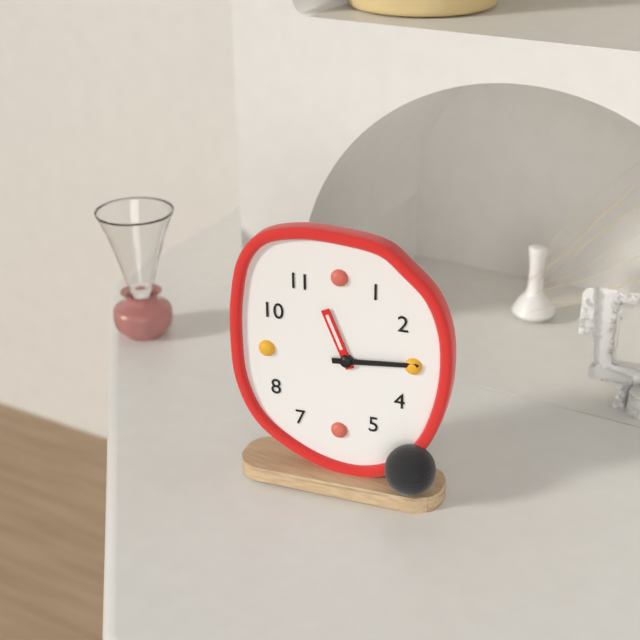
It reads {"hour": 11, "minute": 14}
